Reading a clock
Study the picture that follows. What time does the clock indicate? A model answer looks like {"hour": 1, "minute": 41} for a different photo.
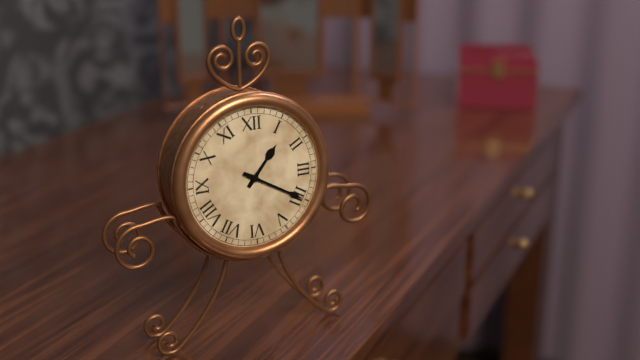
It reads {"hour": 1, "minute": 20}
